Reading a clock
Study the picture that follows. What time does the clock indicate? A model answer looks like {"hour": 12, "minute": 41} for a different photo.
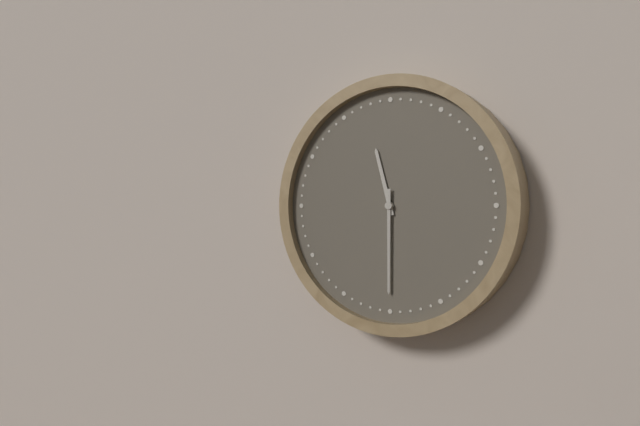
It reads {"hour": 11, "minute": 30}
